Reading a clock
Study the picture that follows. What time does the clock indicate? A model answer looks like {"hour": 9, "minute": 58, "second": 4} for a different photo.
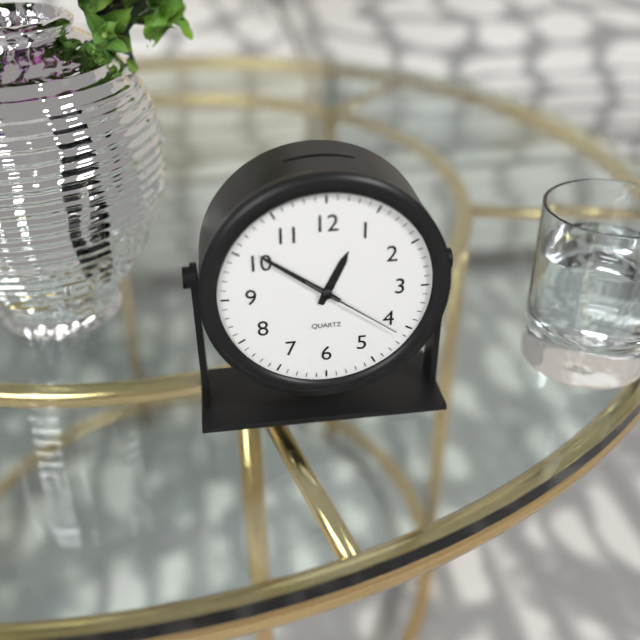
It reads {"hour": 12, "minute": 51, "second": 21}
